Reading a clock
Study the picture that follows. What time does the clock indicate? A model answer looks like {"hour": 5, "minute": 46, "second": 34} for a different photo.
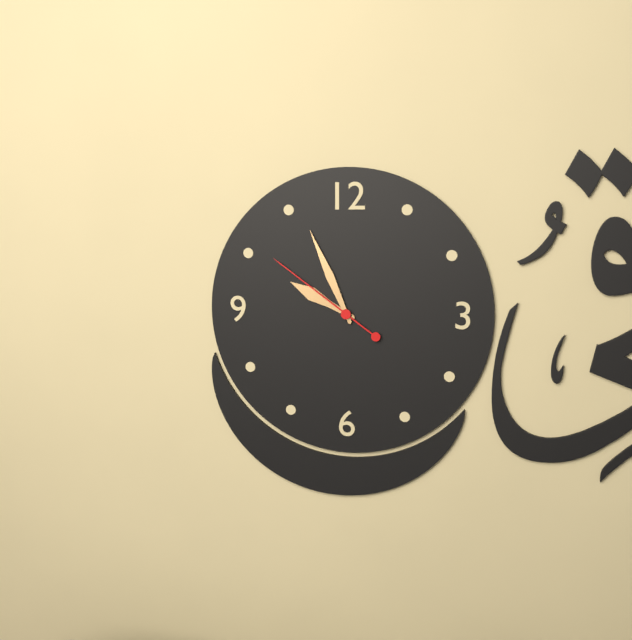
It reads {"hour": 9, "minute": 56, "second": 51}
